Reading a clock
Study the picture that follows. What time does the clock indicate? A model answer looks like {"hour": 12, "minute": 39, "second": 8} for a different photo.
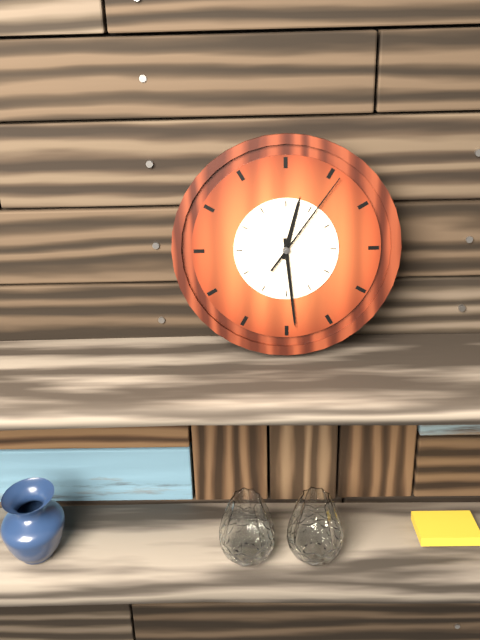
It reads {"hour": 12, "minute": 29, "second": 6}
